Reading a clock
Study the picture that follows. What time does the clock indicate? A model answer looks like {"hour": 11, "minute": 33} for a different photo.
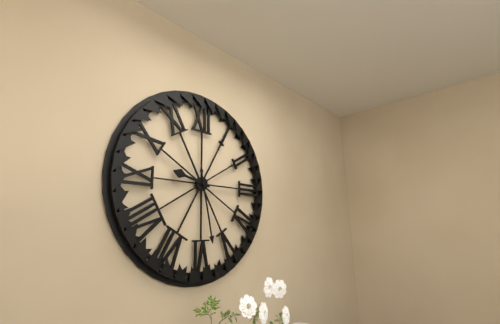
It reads {"hour": 9, "minute": 28}
